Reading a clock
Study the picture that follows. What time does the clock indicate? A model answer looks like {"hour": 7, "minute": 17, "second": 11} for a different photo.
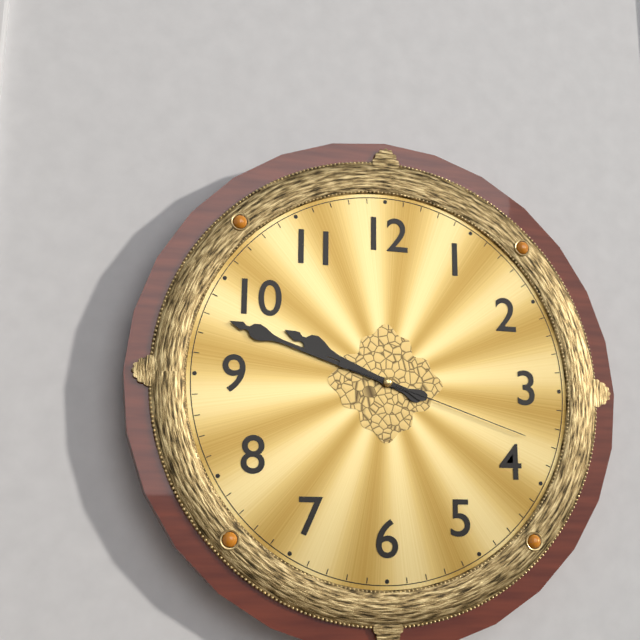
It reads {"hour": 9, "minute": 48, "second": 18}
